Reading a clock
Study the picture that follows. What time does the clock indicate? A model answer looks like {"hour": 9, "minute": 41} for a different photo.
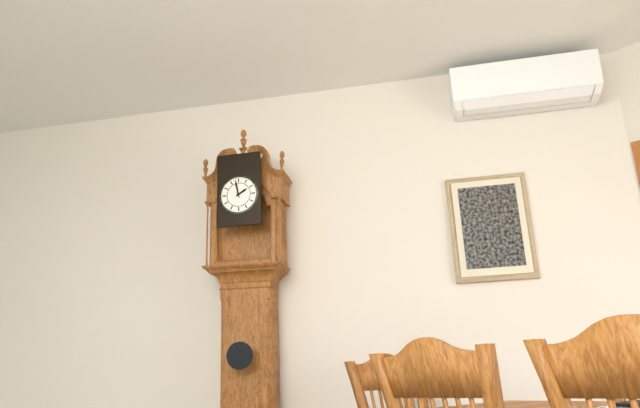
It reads {"hour": 1, "minute": 58}
